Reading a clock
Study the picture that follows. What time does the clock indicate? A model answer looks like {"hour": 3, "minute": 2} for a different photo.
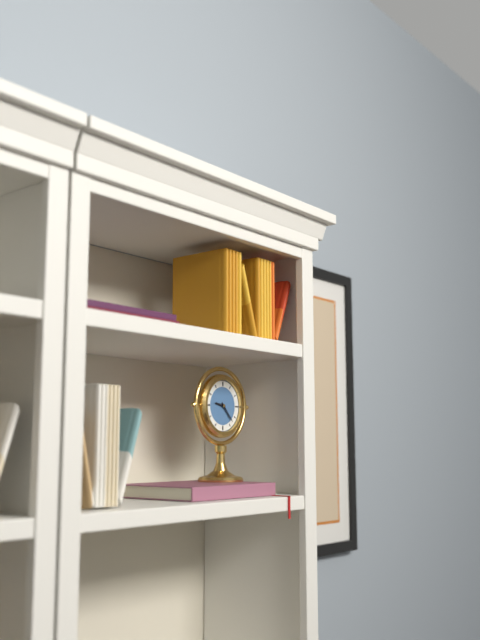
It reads {"hour": 9, "minute": 23}
